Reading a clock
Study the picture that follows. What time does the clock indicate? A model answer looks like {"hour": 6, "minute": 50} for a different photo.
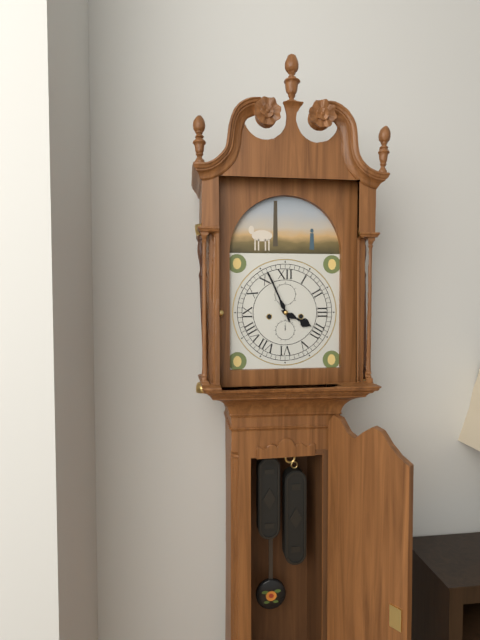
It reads {"hour": 3, "minute": 56}
